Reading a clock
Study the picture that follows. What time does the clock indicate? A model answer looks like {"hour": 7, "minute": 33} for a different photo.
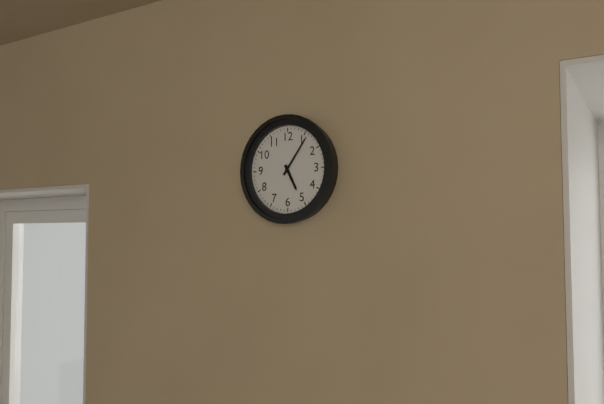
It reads {"hour": 5, "minute": 6}
